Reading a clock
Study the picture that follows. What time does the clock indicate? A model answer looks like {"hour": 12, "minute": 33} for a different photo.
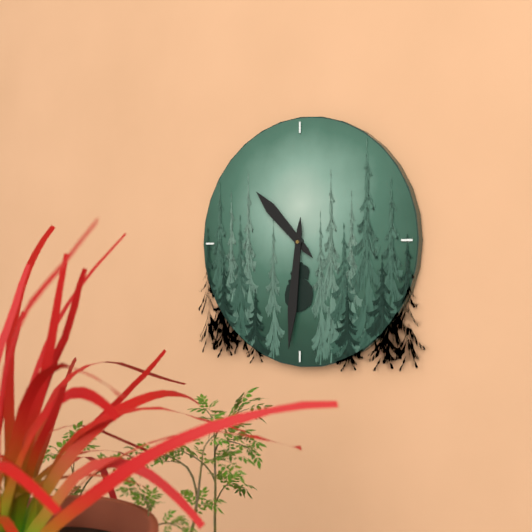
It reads {"hour": 10, "minute": 31}
